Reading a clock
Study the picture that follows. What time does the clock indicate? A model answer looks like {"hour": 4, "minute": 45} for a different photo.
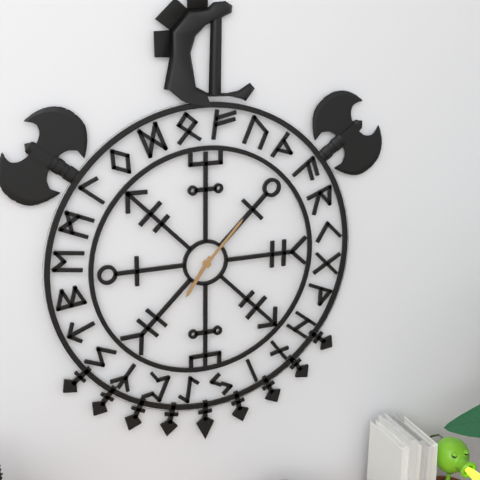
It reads {"hour": 7, "minute": 7}
